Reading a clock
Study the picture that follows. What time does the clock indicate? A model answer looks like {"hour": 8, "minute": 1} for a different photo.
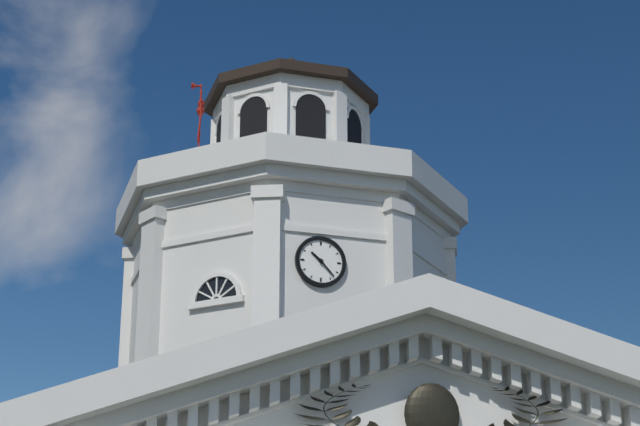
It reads {"hour": 10, "minute": 23}
